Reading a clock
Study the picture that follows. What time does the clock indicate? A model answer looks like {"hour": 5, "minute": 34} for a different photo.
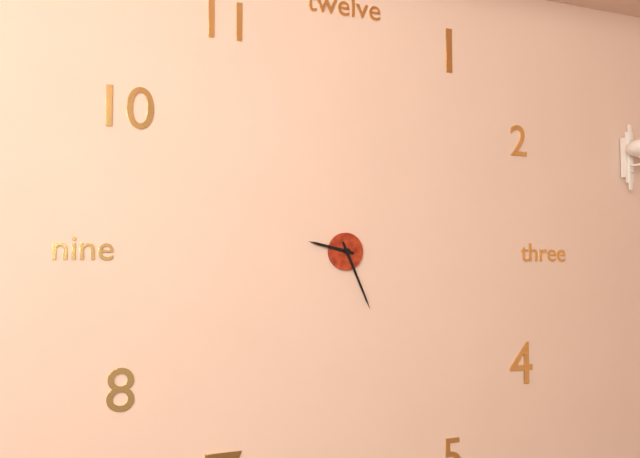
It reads {"hour": 9, "minute": 26}
